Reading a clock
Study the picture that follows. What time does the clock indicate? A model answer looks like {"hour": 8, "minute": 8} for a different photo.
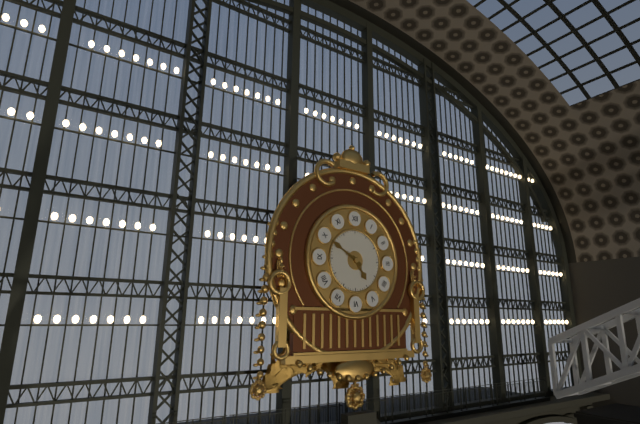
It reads {"hour": 4, "minute": 50}
